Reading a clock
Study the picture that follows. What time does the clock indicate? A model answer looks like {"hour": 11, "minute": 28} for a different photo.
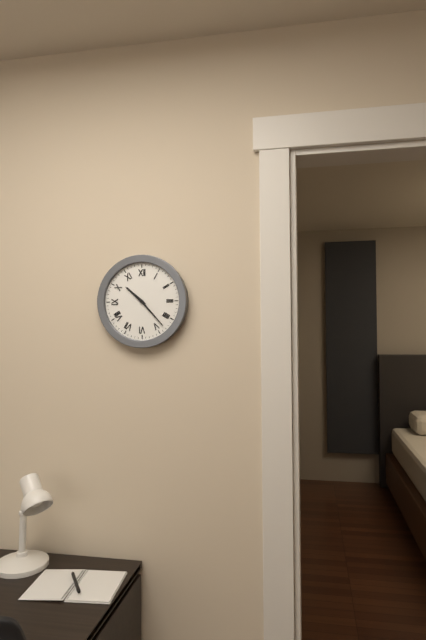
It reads {"hour": 10, "minute": 23}
